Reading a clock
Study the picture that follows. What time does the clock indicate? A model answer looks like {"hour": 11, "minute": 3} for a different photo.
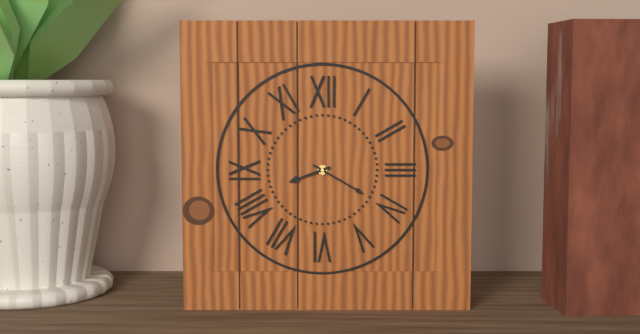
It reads {"hour": 8, "minute": 20}
